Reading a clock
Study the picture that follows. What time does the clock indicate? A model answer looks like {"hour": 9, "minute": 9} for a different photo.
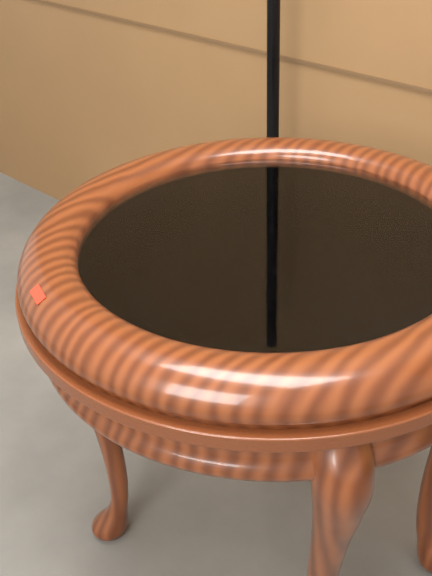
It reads {"hour": 9, "minute": 22}
